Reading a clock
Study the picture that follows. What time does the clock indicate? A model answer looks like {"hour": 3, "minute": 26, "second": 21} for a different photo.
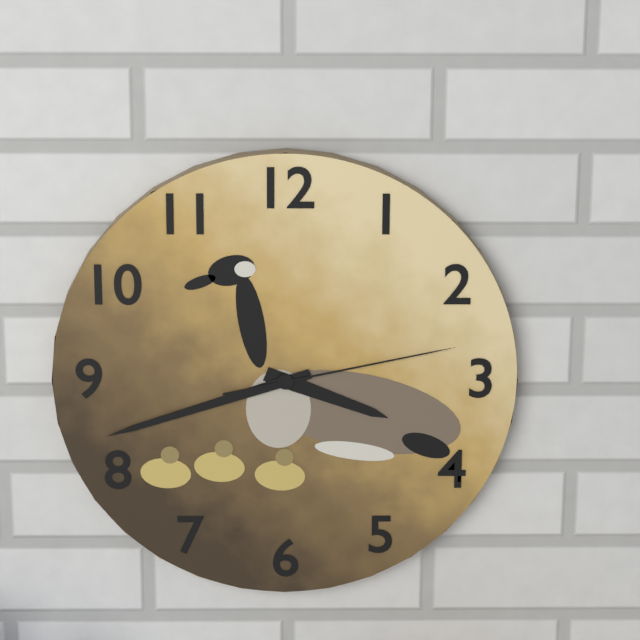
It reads {"hour": 3, "minute": 42, "second": 13}
